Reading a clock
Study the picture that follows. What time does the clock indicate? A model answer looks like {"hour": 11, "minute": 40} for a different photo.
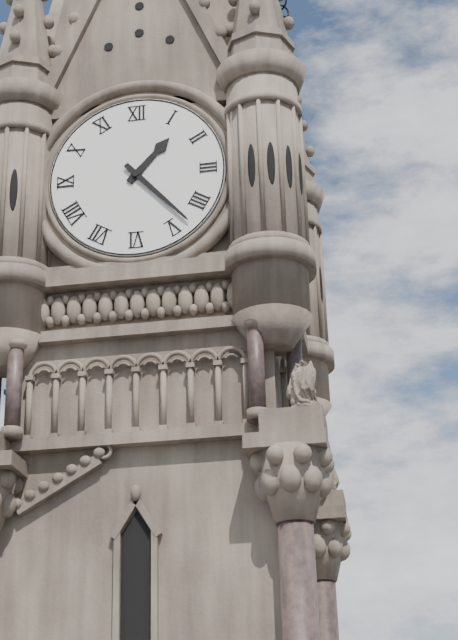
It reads {"hour": 1, "minute": 23}
